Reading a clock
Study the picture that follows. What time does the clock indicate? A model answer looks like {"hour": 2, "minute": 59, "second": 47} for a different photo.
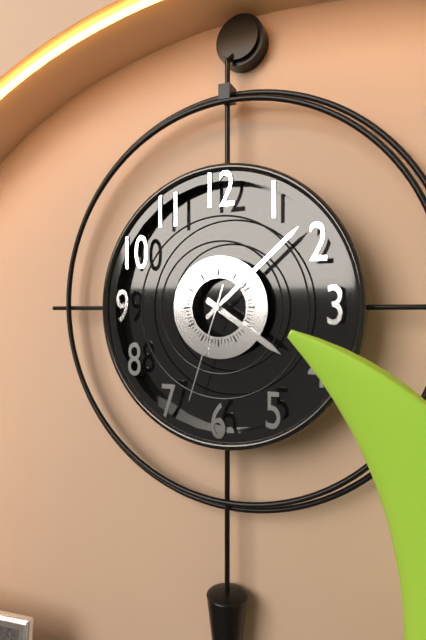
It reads {"hour": 4, "minute": 8, "second": 33}
